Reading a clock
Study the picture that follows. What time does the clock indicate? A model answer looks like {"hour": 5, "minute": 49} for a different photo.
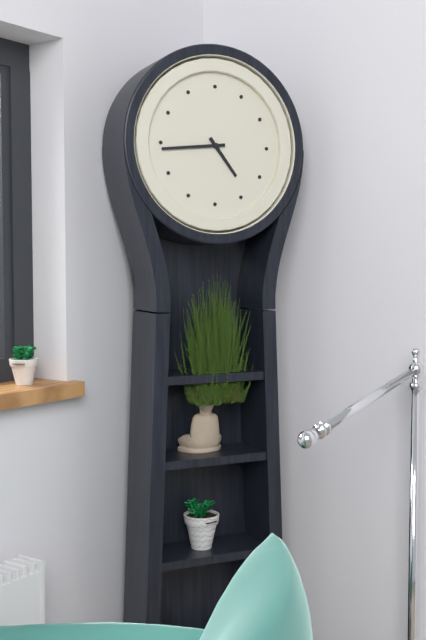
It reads {"hour": 4, "minute": 44}
